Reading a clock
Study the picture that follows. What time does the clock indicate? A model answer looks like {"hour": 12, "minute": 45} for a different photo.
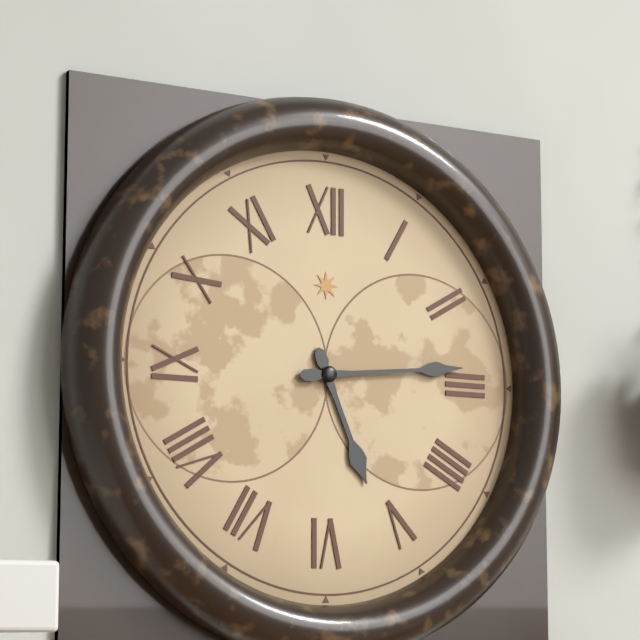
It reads {"hour": 5, "minute": 14}
